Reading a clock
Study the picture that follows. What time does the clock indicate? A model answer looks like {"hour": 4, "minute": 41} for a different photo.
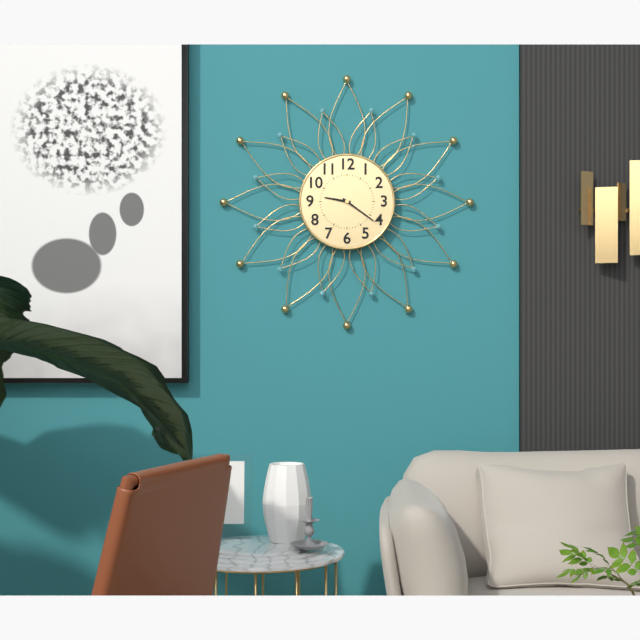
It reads {"hour": 9, "minute": 21}
